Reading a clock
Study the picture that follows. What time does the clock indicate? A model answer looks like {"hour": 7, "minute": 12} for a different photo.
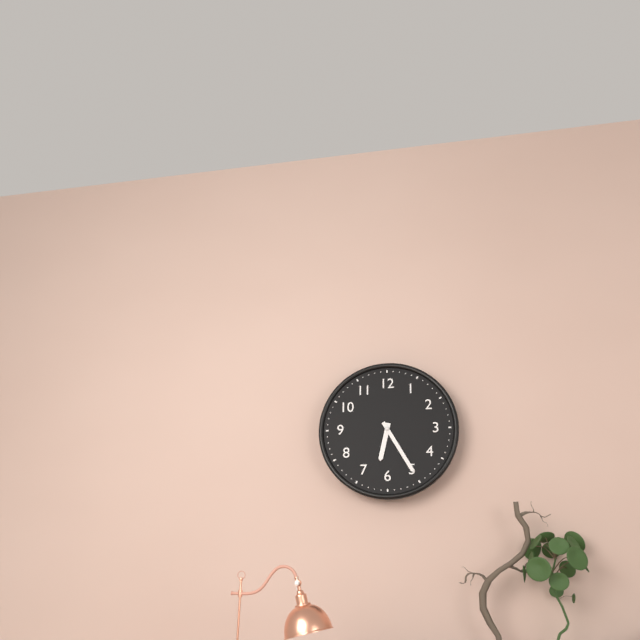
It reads {"hour": 6, "minute": 25}
